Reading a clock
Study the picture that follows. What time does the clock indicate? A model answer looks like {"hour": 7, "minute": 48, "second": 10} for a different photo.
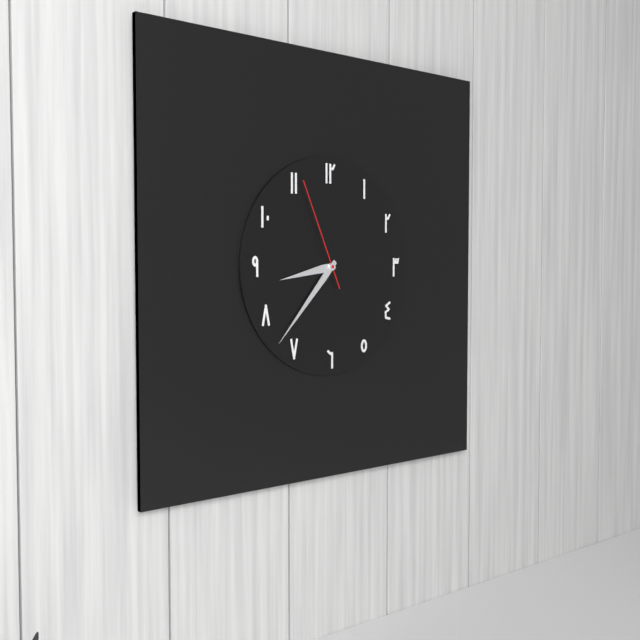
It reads {"hour": 8, "minute": 37, "second": 56}
